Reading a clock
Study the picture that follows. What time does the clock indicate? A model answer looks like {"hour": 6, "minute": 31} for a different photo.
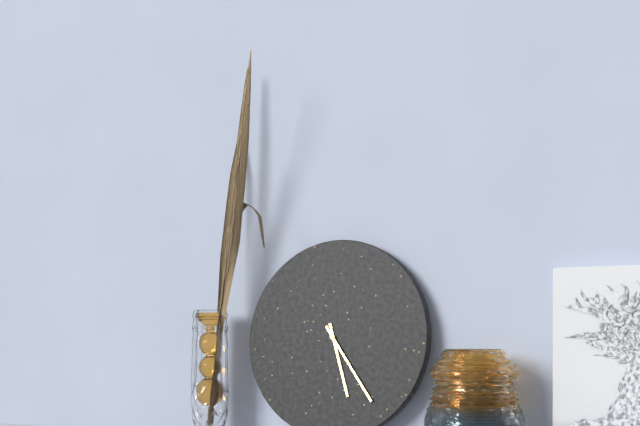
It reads {"hour": 5, "minute": 24}
